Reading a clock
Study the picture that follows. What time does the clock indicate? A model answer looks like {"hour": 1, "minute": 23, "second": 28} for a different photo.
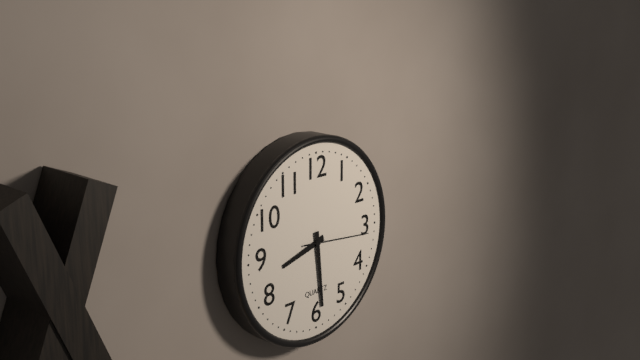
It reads {"hour": 8, "minute": 29, "second": 16}
